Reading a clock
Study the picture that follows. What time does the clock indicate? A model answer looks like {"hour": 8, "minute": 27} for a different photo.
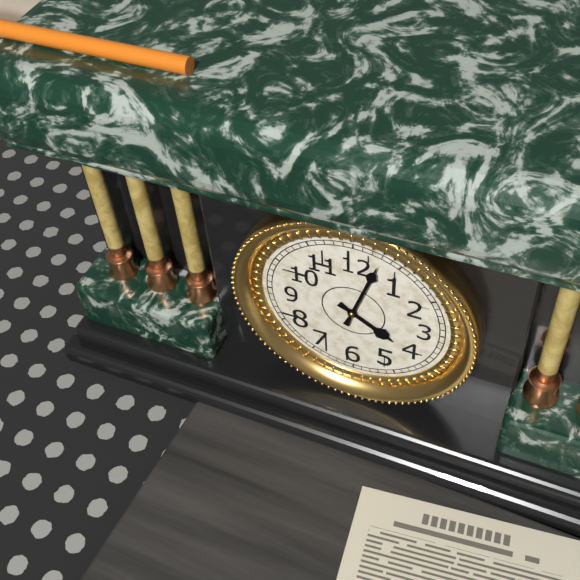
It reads {"hour": 4, "minute": 3}
